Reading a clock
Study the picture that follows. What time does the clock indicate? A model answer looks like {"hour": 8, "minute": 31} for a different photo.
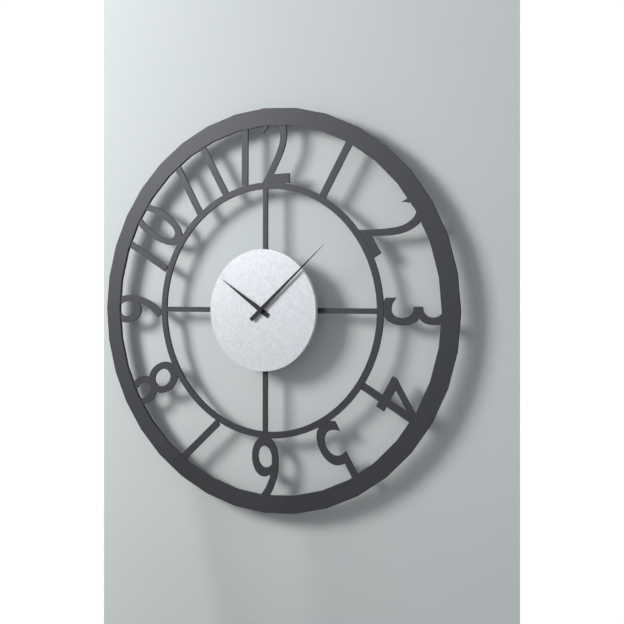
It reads {"hour": 10, "minute": 8}
